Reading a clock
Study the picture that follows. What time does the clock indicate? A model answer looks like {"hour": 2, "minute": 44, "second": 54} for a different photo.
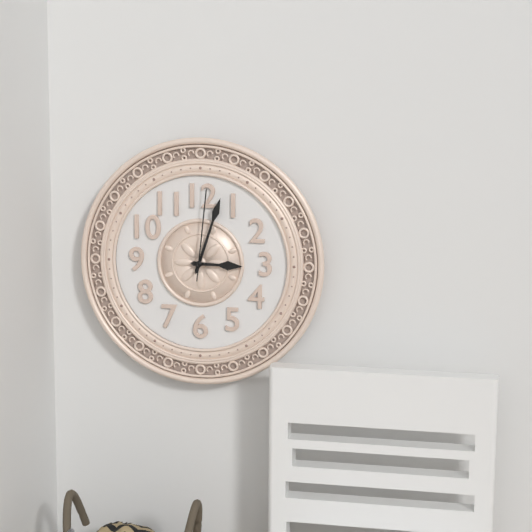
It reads {"hour": 3, "minute": 3, "second": 1}
